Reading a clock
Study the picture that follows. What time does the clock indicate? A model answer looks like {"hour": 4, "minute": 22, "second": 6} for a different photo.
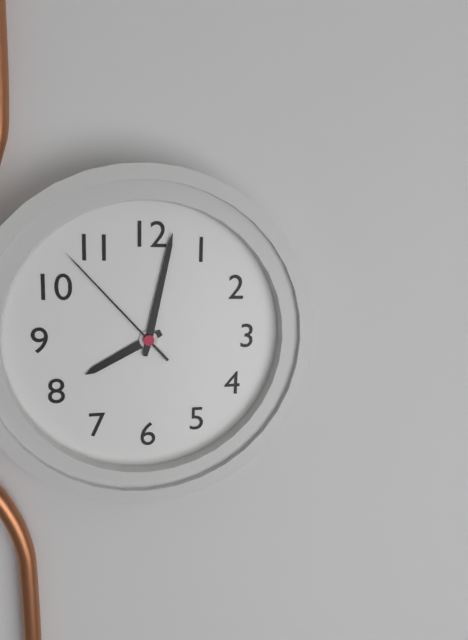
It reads {"hour": 8, "minute": 2, "second": 53}
